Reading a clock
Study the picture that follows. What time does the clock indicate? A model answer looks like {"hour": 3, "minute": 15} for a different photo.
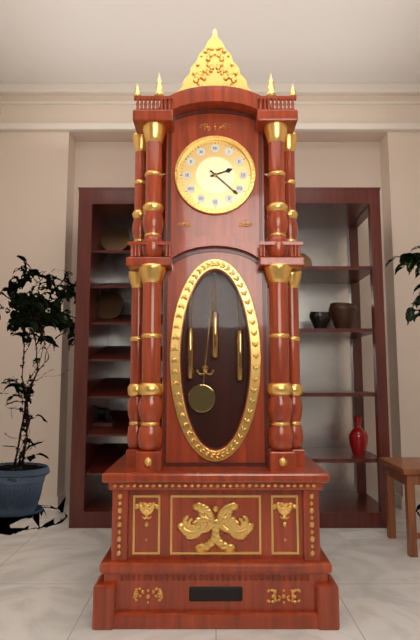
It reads {"hour": 2, "minute": 22}
